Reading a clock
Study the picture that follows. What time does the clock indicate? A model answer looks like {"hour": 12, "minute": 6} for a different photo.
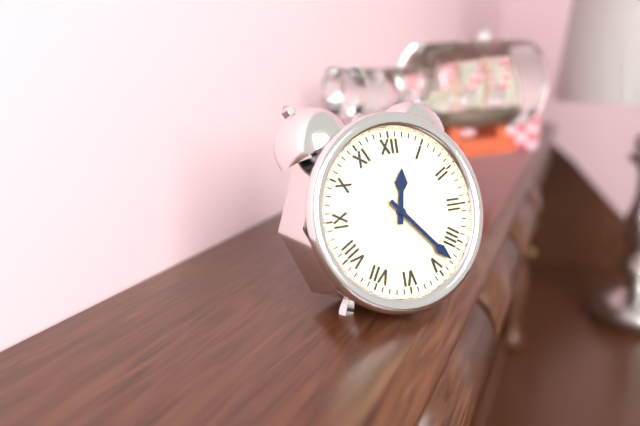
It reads {"hour": 12, "minute": 23}
